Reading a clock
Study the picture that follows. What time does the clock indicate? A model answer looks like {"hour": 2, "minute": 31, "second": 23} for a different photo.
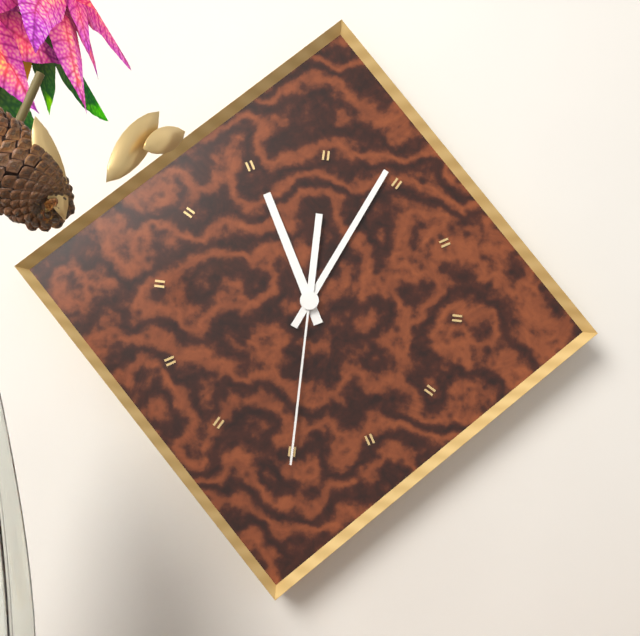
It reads {"hour": 11, "minute": 4, "second": 30}
